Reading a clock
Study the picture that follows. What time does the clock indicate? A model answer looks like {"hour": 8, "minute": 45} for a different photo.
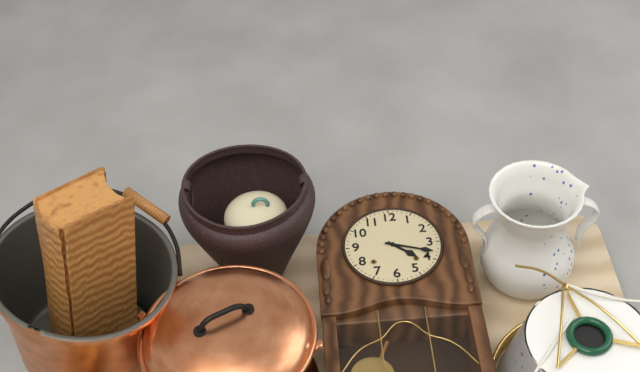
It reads {"hour": 4, "minute": 18}
